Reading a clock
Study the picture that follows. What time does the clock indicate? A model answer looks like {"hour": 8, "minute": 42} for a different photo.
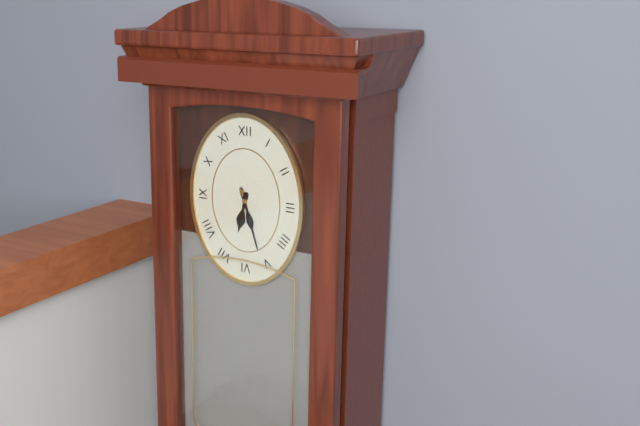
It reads {"hour": 6, "minute": 27}
